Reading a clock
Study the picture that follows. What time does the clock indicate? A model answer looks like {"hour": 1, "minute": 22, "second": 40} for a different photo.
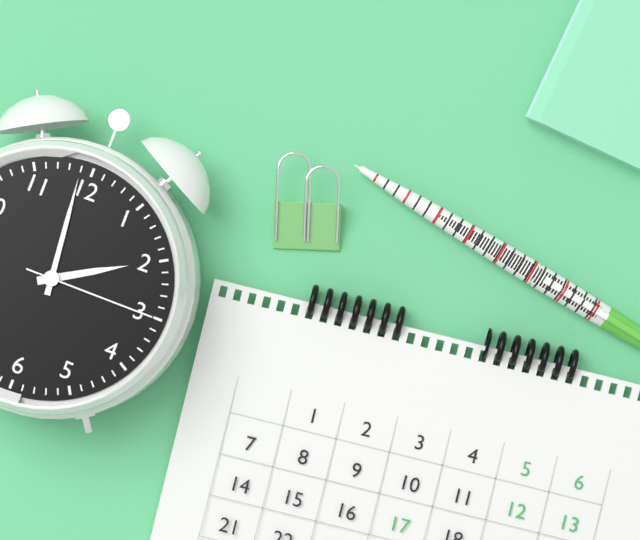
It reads {"hour": 1, "minute": 59, "second": 15}
